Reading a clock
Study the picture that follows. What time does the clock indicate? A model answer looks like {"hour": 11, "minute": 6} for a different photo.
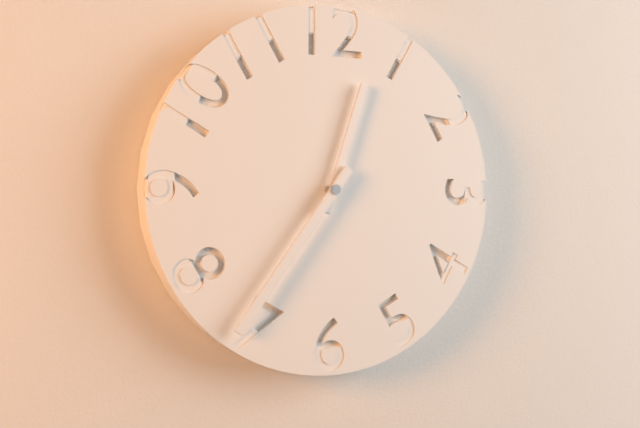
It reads {"hour": 12, "minute": 36}
